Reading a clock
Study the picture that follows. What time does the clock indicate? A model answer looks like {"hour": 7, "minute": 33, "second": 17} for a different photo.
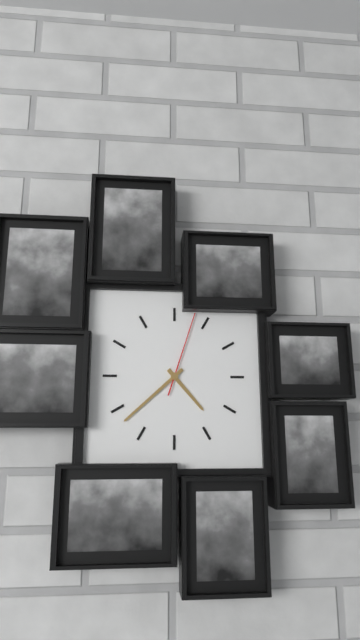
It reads {"hour": 4, "minute": 38, "second": 3}
